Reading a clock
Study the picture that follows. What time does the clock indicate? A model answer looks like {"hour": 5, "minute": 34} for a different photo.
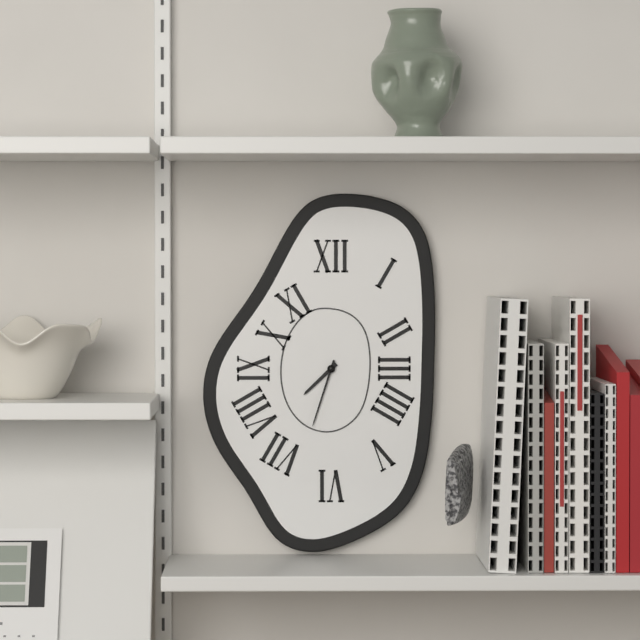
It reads {"hour": 7, "minute": 33}
